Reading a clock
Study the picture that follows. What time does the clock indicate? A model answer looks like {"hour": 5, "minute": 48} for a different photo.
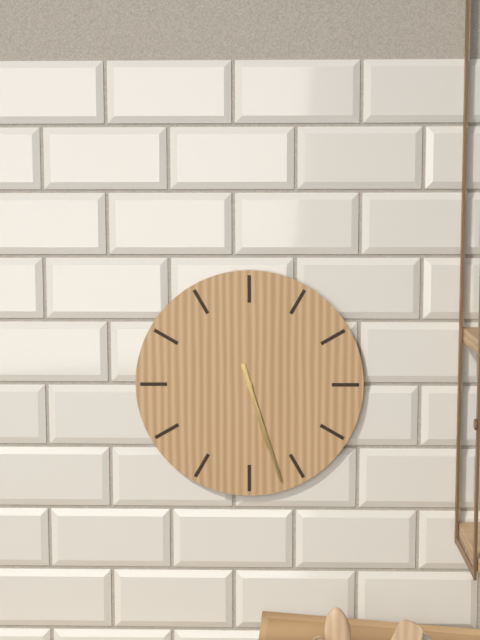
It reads {"hour": 5, "minute": 27}
